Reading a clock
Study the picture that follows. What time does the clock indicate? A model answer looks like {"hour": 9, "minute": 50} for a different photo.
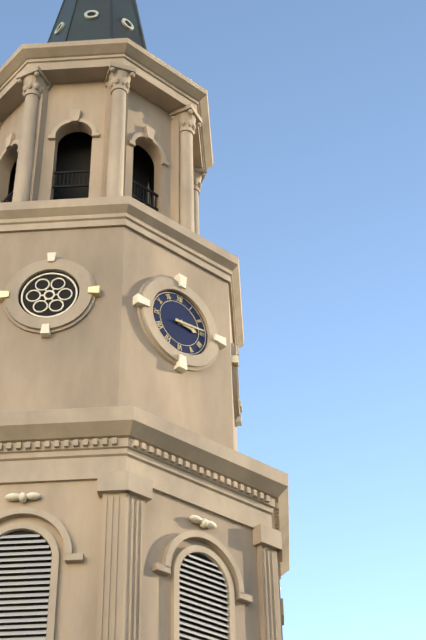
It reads {"hour": 3, "minute": 14}
